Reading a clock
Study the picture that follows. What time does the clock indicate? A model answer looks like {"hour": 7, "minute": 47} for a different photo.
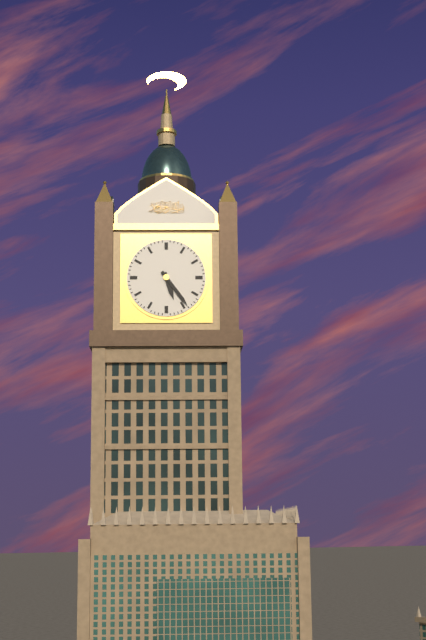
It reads {"hour": 5, "minute": 24}
